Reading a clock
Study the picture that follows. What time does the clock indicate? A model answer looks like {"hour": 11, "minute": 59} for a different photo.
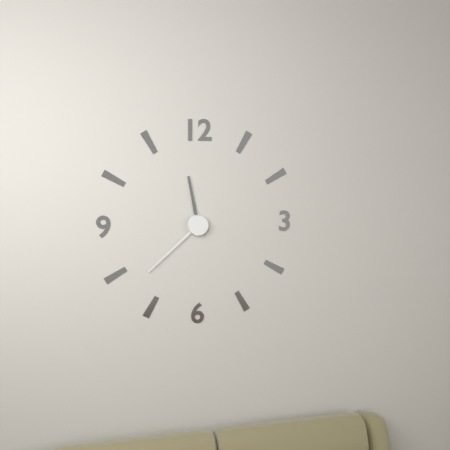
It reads {"hour": 11, "minute": 38}
